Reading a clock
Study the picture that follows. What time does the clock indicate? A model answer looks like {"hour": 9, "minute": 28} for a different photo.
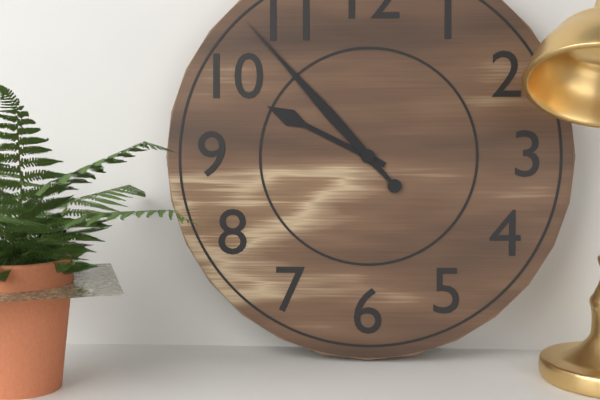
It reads {"hour": 9, "minute": 53}
